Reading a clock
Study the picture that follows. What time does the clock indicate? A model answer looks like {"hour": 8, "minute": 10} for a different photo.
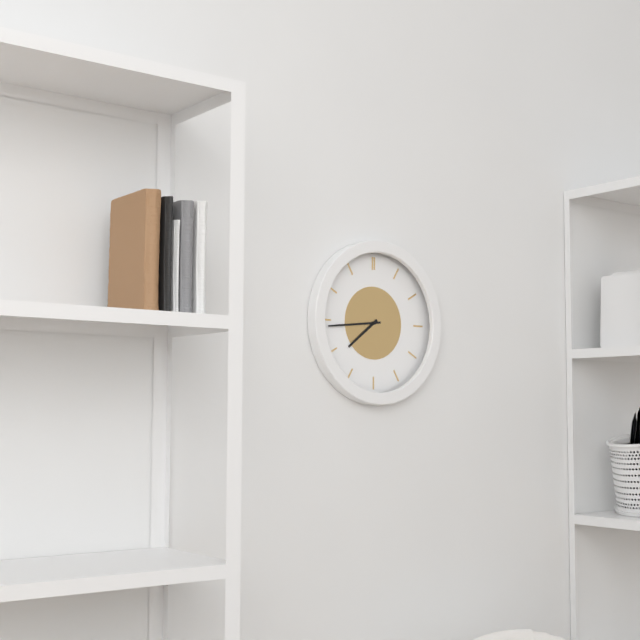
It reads {"hour": 7, "minute": 44}
